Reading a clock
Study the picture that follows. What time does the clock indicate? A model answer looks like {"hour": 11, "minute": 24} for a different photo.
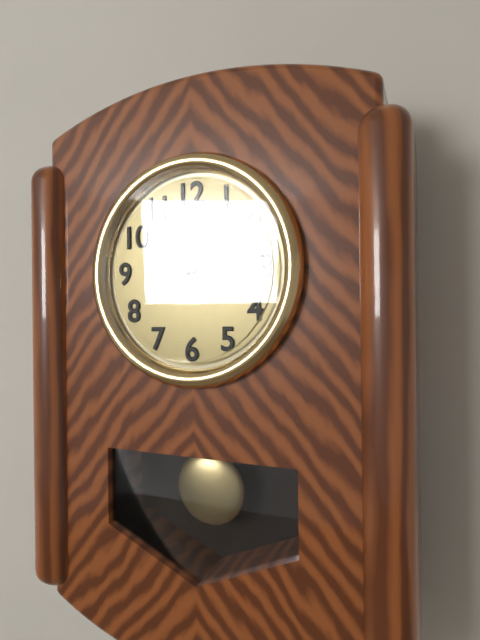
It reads {"hour": 3, "minute": 11}
